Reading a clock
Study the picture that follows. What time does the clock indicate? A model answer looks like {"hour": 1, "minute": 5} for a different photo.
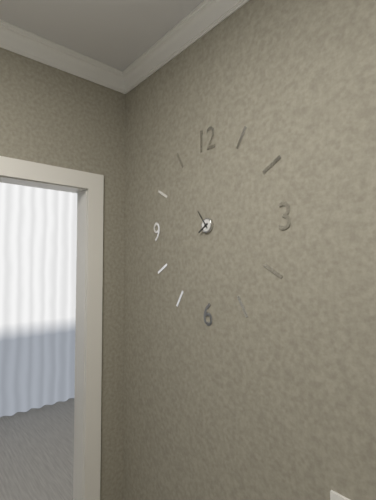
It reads {"hour": 7, "minute": 54}
